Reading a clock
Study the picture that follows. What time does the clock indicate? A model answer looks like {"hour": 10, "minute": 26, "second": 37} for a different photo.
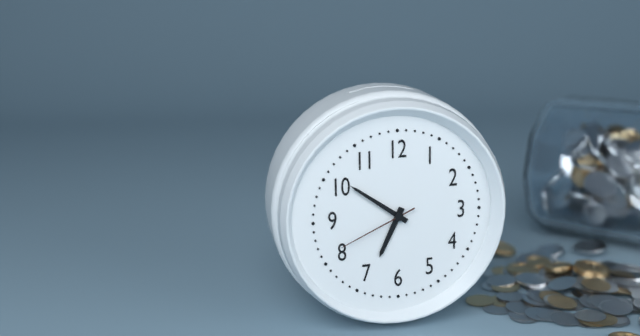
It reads {"hour": 6, "minute": 51, "second": 41}
